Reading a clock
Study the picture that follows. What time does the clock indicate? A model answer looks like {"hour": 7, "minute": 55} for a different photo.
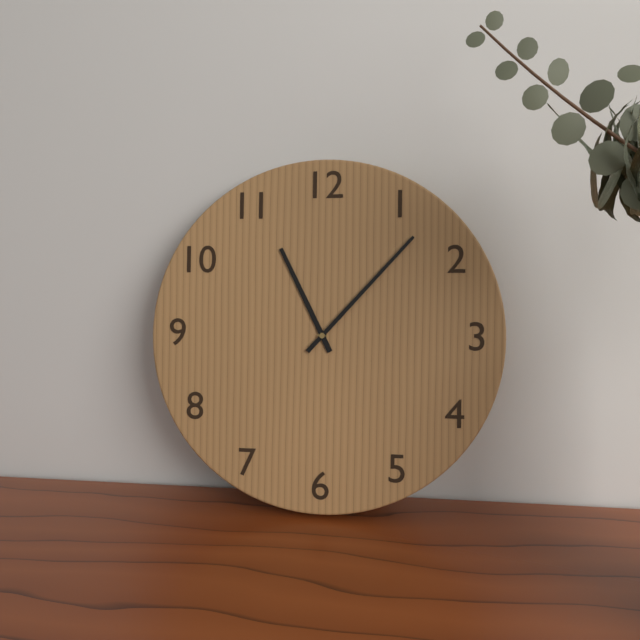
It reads {"hour": 11, "minute": 7}
